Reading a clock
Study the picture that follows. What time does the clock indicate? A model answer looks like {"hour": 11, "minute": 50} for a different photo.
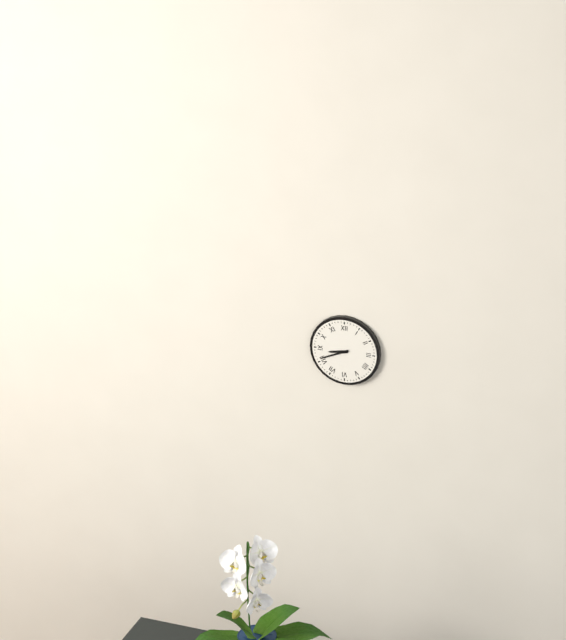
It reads {"hour": 8, "minute": 41}
